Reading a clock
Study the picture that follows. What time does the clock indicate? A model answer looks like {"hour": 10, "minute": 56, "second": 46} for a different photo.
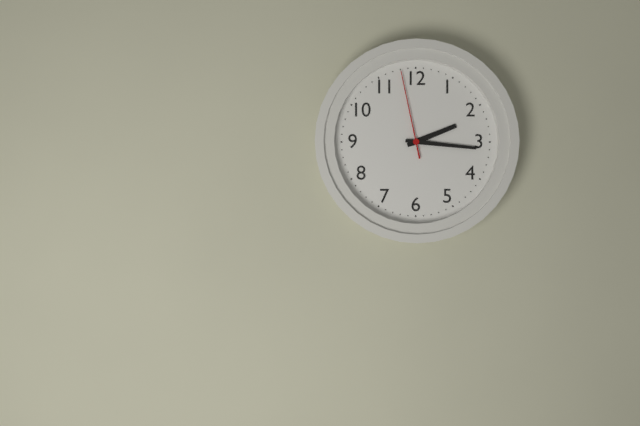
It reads {"hour": 2, "minute": 16, "second": 58}
